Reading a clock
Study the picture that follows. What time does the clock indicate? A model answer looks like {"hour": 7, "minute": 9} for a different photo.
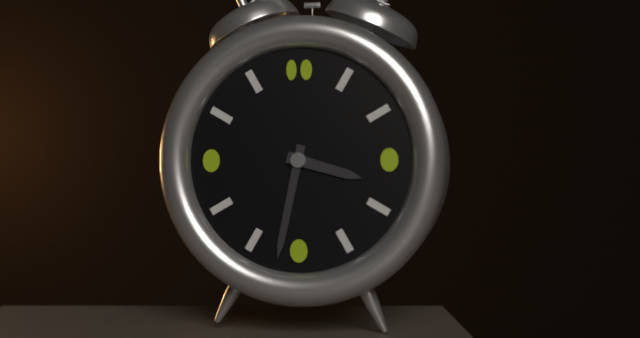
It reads {"hour": 3, "minute": 32}
